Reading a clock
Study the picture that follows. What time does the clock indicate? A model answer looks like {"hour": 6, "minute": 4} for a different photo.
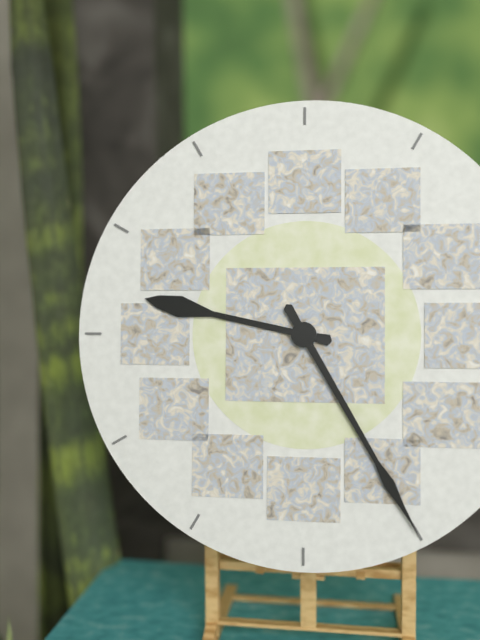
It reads {"hour": 9, "minute": 25}
